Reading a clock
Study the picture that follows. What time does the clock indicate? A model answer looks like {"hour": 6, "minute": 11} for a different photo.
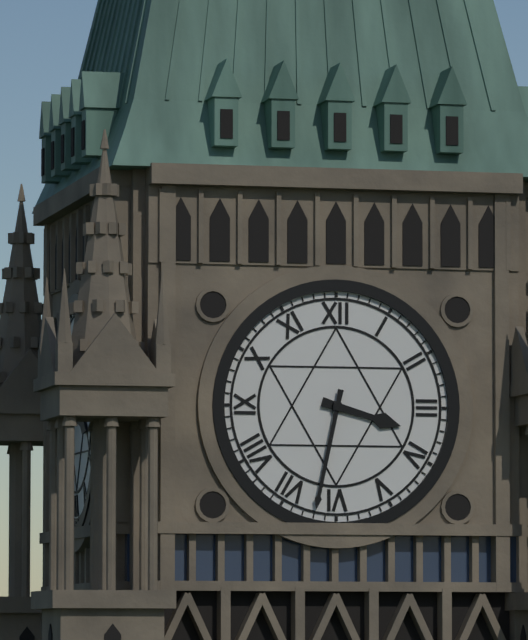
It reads {"hour": 3, "minute": 32}
